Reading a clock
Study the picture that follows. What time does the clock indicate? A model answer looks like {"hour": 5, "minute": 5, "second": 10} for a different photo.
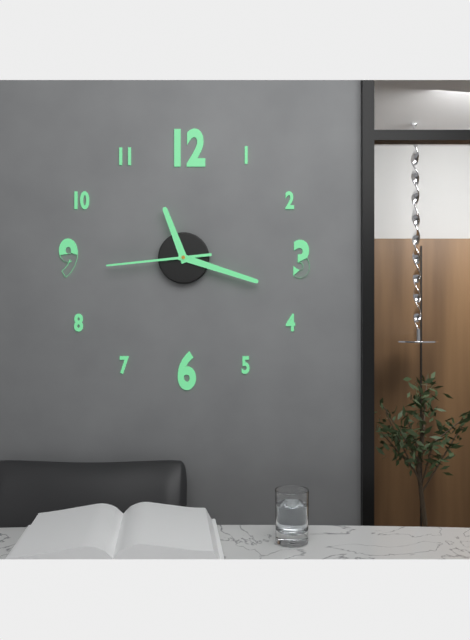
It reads {"hour": 11, "minute": 18, "second": 44}
